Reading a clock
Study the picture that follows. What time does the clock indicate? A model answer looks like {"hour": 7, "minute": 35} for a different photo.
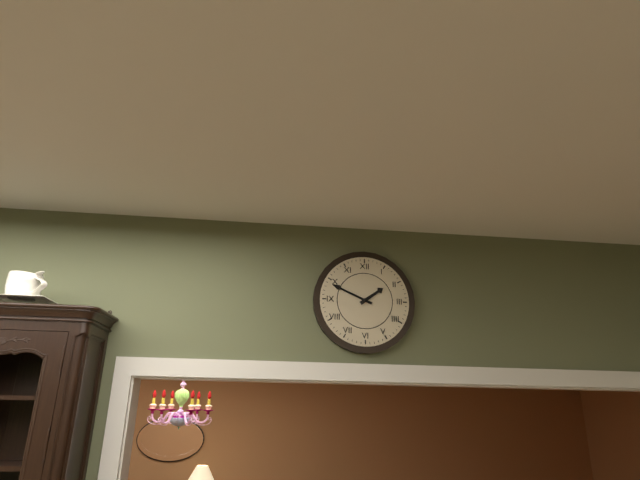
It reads {"hour": 1, "minute": 49}
